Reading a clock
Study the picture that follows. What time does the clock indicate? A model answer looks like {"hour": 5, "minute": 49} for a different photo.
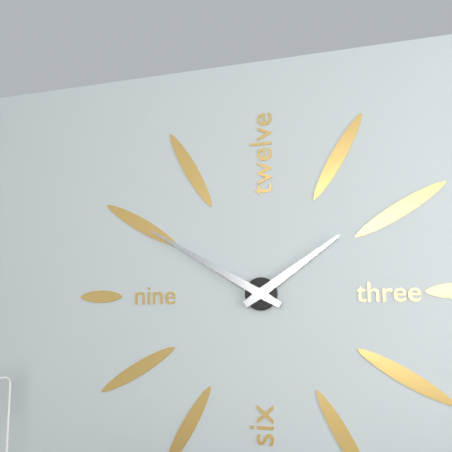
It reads {"hour": 1, "minute": 50}
